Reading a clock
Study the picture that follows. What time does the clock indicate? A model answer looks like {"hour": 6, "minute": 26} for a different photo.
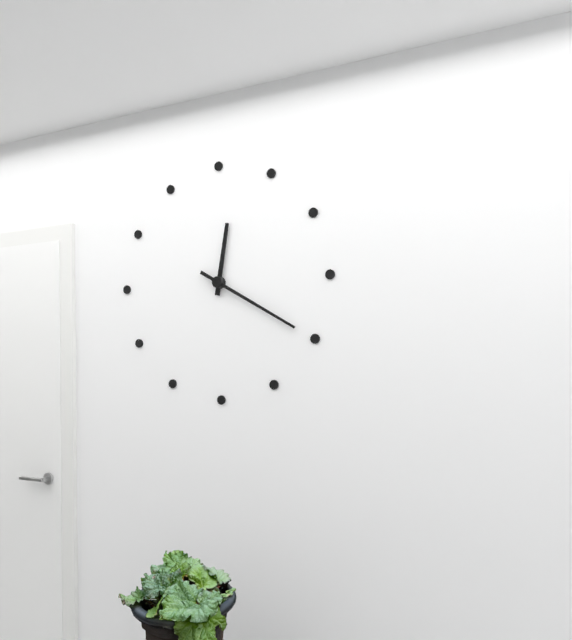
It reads {"hour": 12, "minute": 20}
